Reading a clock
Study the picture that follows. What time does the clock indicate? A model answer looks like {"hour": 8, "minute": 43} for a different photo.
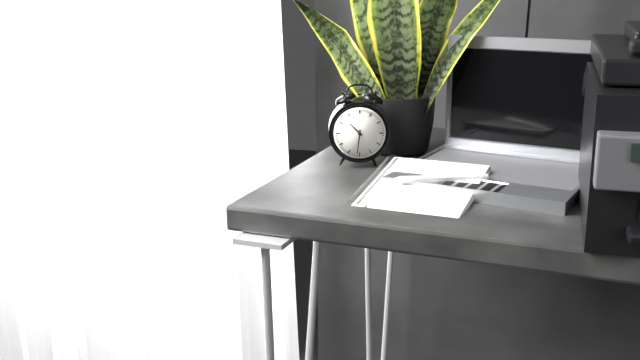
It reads {"hour": 10, "minute": 31}
